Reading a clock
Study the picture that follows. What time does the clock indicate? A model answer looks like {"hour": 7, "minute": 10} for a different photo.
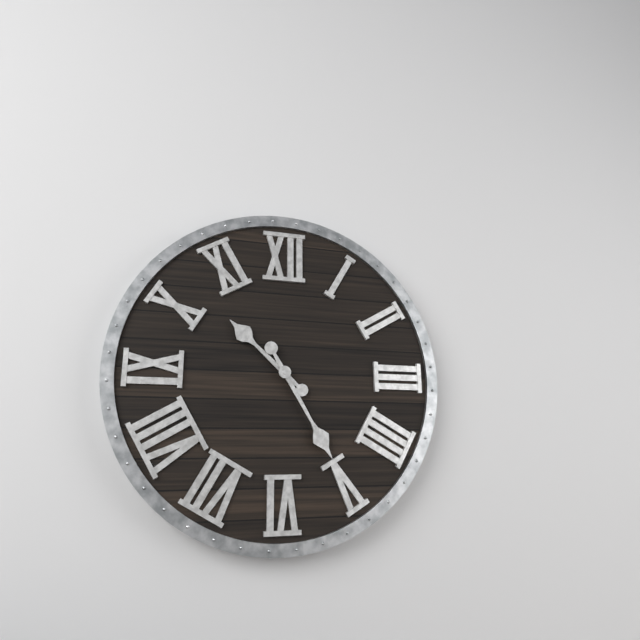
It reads {"hour": 10, "minute": 25}
